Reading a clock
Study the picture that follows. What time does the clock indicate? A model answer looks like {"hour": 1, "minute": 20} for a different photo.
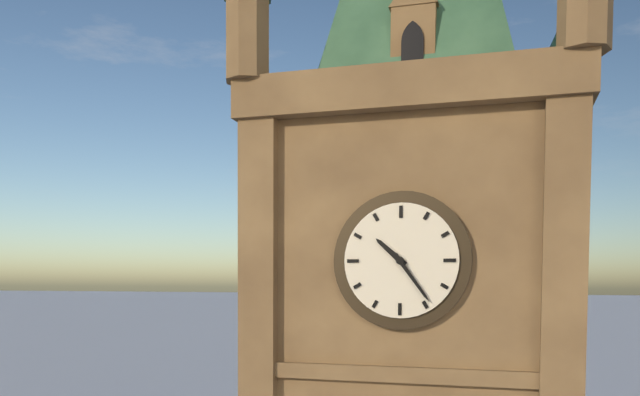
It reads {"hour": 10, "minute": 24}
